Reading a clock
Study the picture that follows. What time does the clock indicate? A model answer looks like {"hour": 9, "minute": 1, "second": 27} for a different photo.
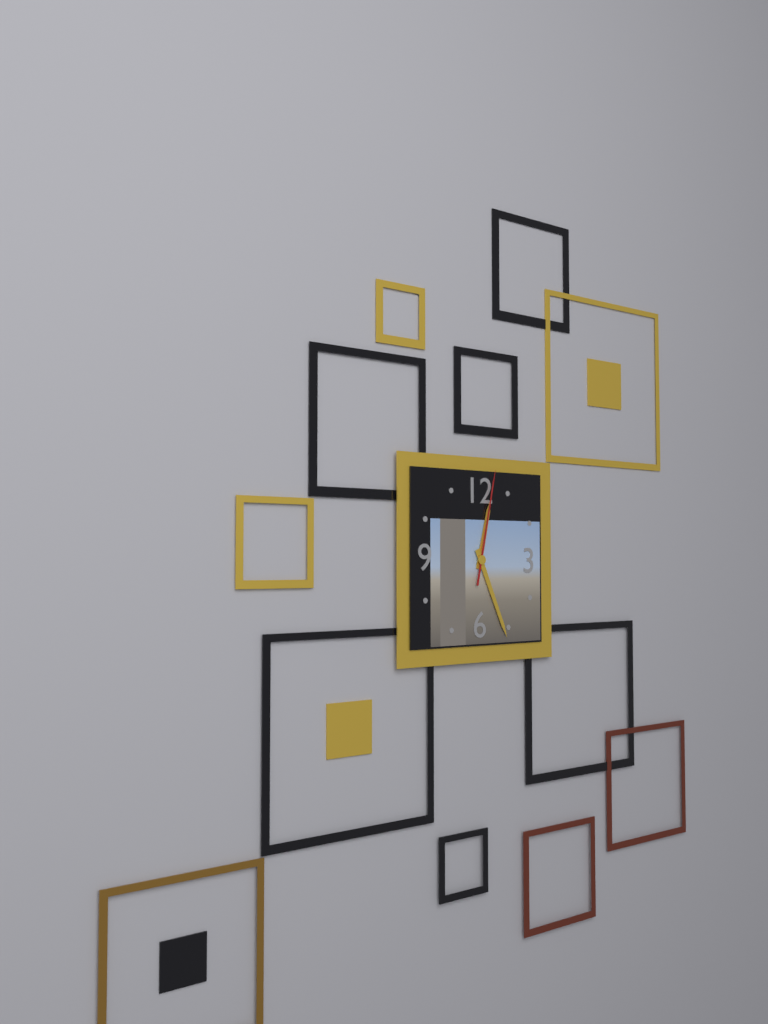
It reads {"hour": 12, "minute": 26, "second": 2}
